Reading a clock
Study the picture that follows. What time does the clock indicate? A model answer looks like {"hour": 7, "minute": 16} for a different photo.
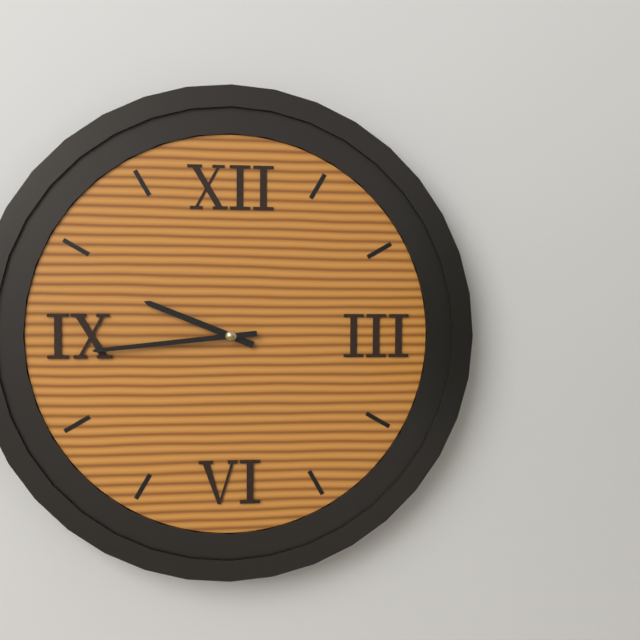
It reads {"hour": 9, "minute": 44}
